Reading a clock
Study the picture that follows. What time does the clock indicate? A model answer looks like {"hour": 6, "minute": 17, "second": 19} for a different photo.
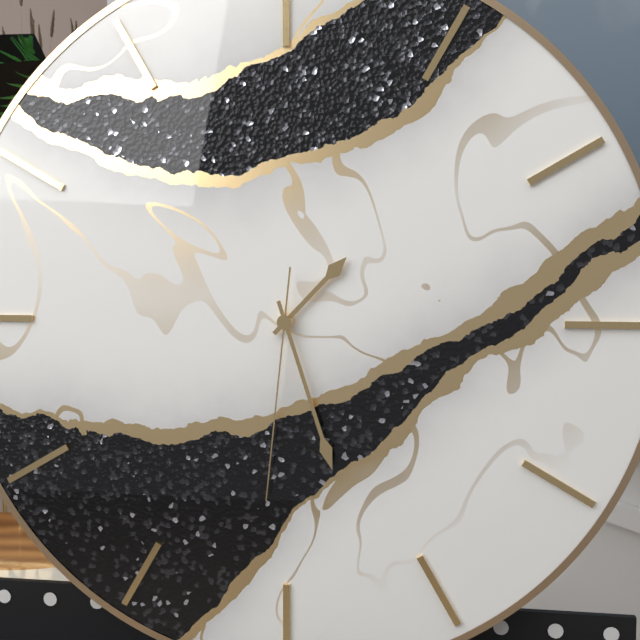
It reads {"hour": 1, "minute": 27, "second": 31}
